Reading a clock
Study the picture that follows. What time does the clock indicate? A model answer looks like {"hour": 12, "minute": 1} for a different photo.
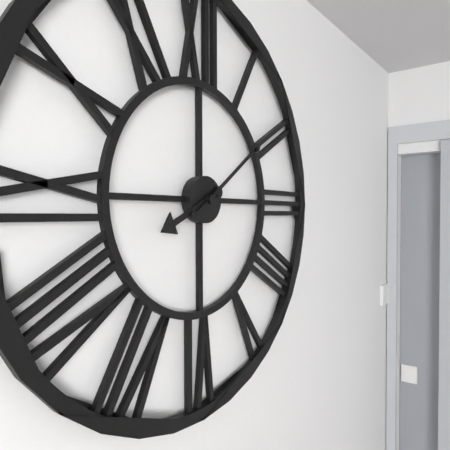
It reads {"hour": 8, "minute": 9}
